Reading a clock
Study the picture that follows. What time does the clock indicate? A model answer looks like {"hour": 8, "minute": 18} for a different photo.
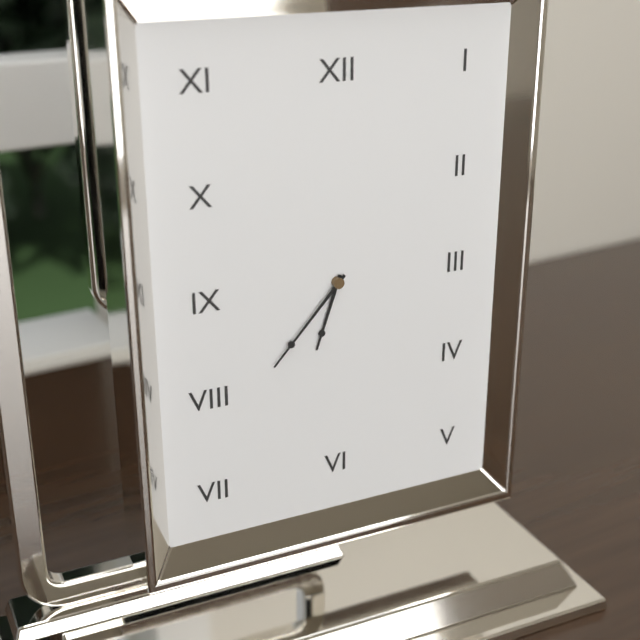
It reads {"hour": 6, "minute": 37}
